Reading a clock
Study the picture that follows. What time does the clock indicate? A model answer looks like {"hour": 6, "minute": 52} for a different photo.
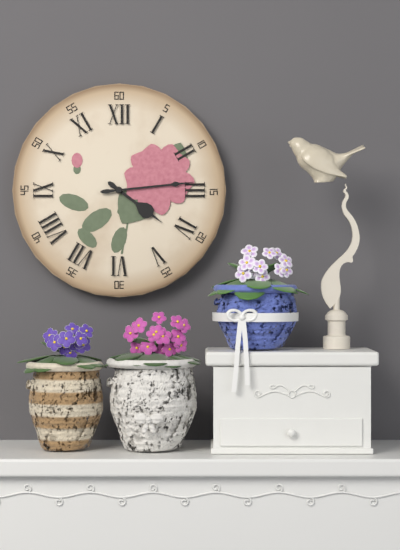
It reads {"hour": 4, "minute": 14}
